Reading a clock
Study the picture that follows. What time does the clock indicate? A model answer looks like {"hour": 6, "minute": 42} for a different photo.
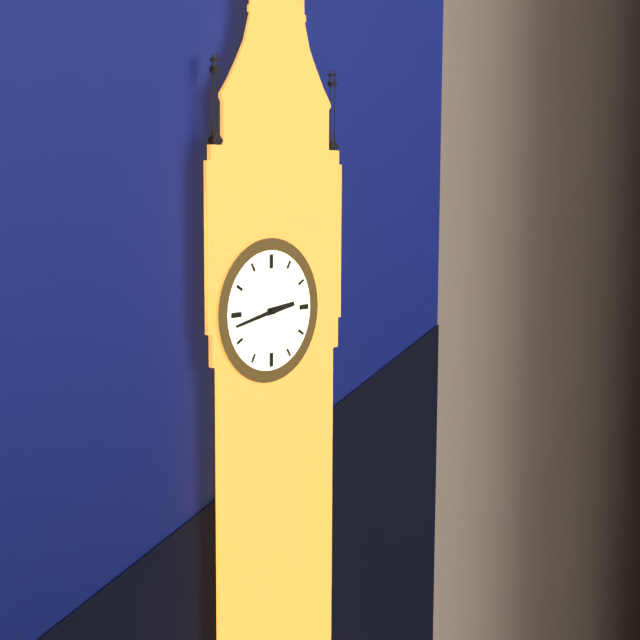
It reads {"hour": 2, "minute": 43}
